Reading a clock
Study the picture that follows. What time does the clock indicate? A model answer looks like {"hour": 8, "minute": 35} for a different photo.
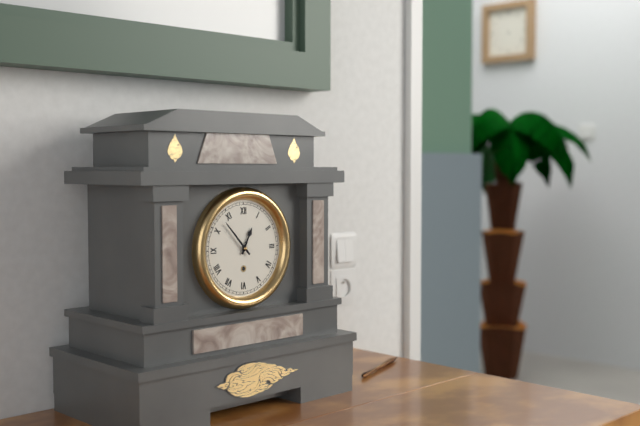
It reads {"hour": 12, "minute": 53}
